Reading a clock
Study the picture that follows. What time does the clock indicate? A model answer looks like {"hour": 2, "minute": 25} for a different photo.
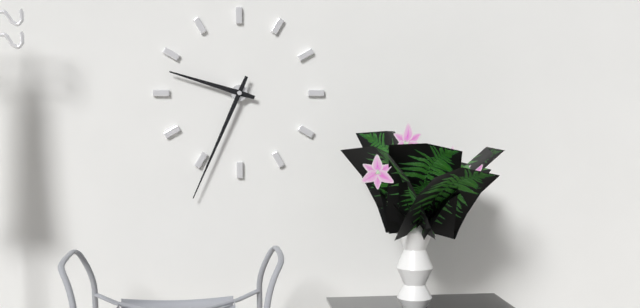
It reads {"hour": 9, "minute": 34}
